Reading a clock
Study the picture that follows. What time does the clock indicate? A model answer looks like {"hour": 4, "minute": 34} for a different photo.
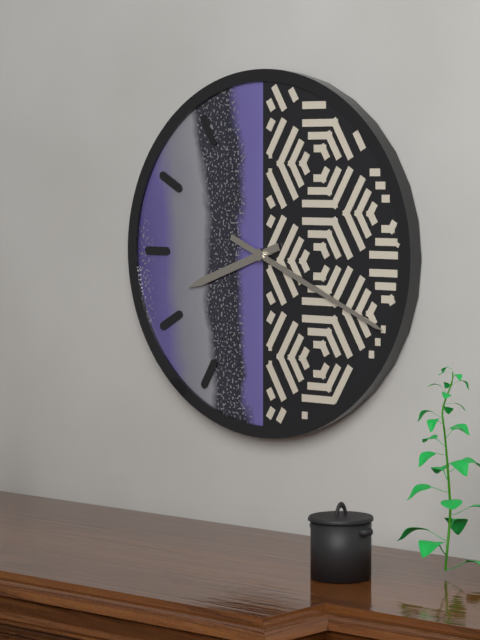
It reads {"hour": 8, "minute": 19}
